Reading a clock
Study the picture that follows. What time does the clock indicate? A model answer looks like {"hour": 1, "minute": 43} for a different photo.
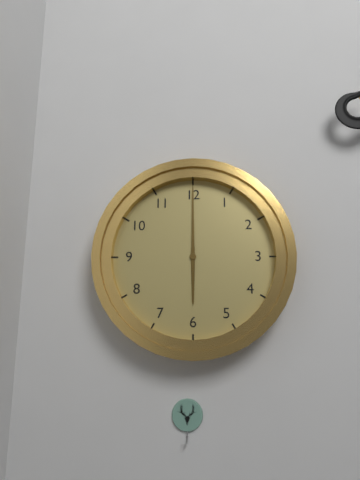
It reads {"hour": 6, "minute": 0}
